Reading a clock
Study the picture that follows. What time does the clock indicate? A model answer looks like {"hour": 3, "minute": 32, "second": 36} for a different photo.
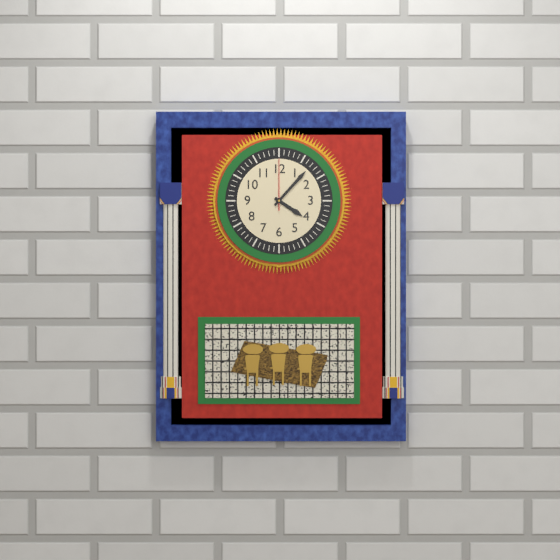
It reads {"hour": 4, "minute": 7, "second": 0}
